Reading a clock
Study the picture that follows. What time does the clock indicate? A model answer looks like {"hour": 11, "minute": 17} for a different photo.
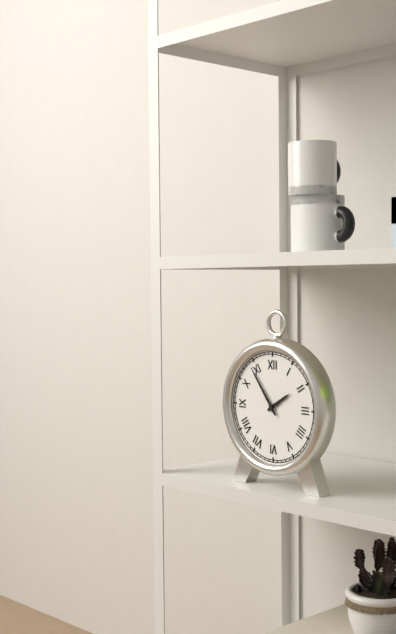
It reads {"hour": 1, "minute": 54}
